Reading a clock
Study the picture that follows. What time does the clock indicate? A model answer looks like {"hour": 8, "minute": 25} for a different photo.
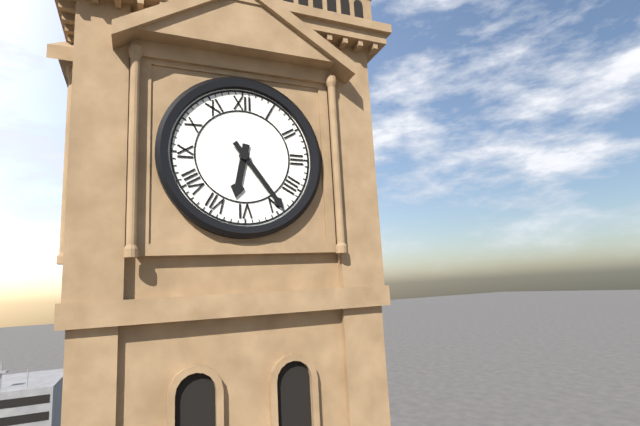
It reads {"hour": 6, "minute": 24}
